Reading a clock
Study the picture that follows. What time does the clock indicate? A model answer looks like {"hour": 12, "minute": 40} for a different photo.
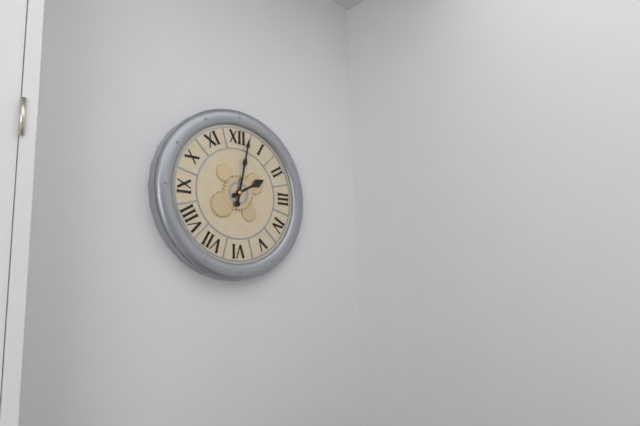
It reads {"hour": 2, "minute": 2}
